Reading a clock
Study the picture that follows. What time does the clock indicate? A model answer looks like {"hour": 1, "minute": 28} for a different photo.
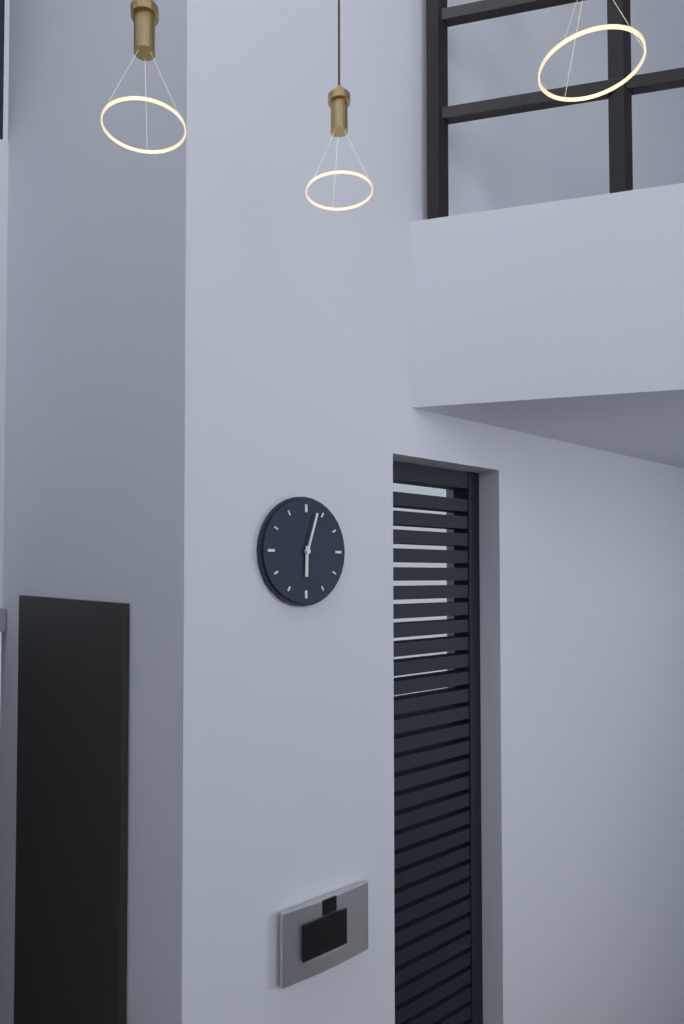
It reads {"hour": 6, "minute": 3}
